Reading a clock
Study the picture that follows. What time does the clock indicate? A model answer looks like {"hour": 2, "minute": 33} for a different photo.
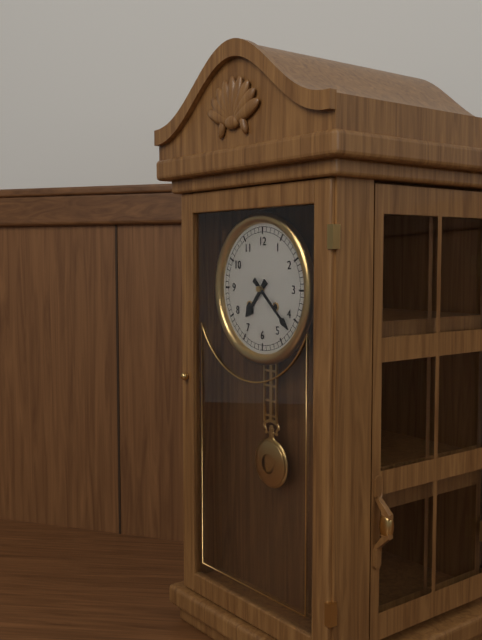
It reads {"hour": 7, "minute": 22}
